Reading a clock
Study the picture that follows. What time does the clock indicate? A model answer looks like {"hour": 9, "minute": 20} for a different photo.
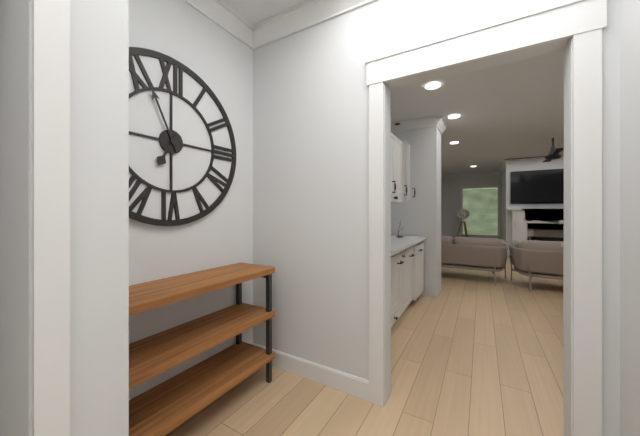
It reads {"hour": 6, "minute": 56}
